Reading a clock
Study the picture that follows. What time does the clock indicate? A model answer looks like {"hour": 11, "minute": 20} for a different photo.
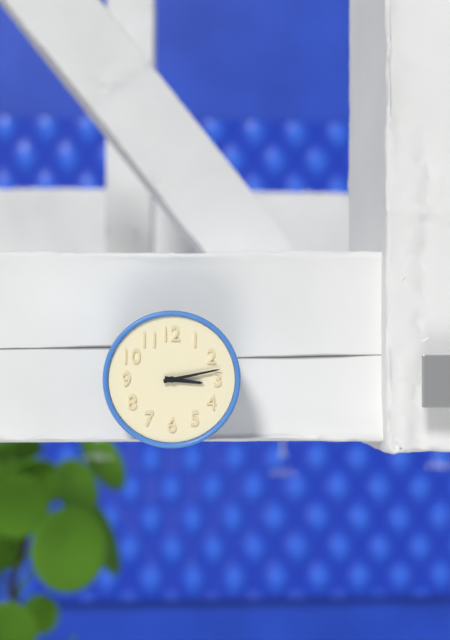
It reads {"hour": 3, "minute": 13}
